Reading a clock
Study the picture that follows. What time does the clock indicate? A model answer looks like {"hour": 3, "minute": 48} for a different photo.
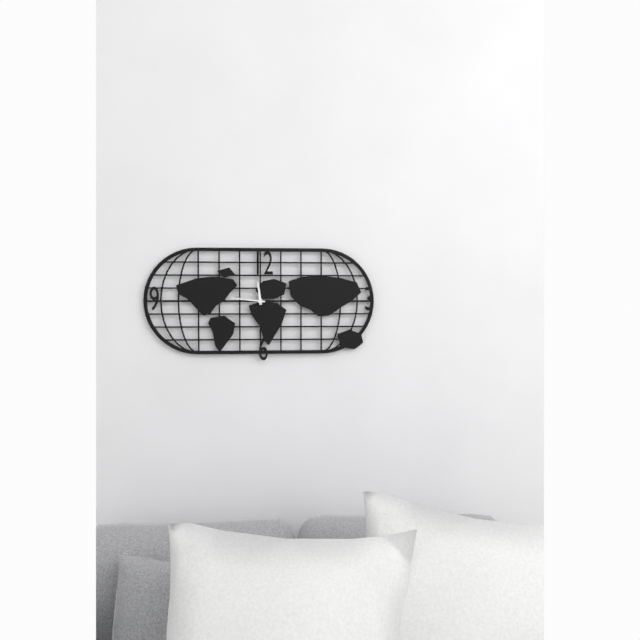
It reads {"hour": 11, "minute": 46}
